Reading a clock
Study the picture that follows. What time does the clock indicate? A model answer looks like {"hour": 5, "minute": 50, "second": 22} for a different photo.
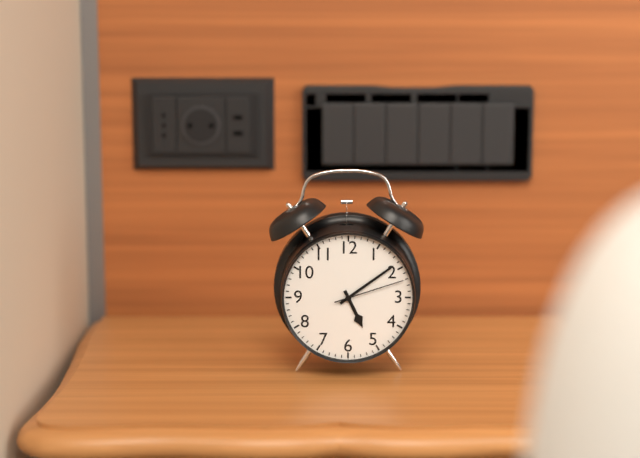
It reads {"hour": 5, "minute": 9, "second": 12}
